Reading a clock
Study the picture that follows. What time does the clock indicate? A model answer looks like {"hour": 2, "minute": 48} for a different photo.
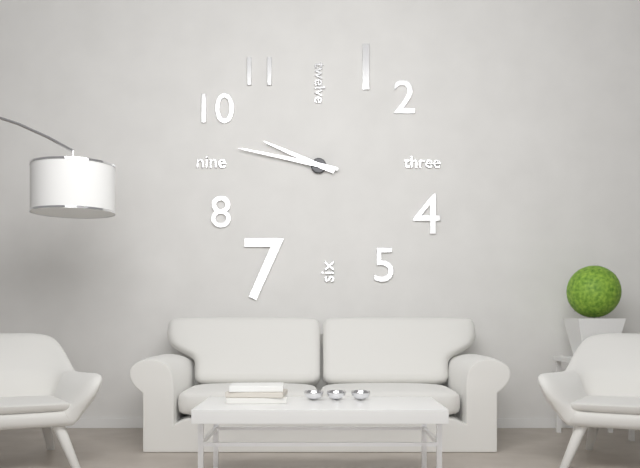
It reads {"hour": 9, "minute": 47}
